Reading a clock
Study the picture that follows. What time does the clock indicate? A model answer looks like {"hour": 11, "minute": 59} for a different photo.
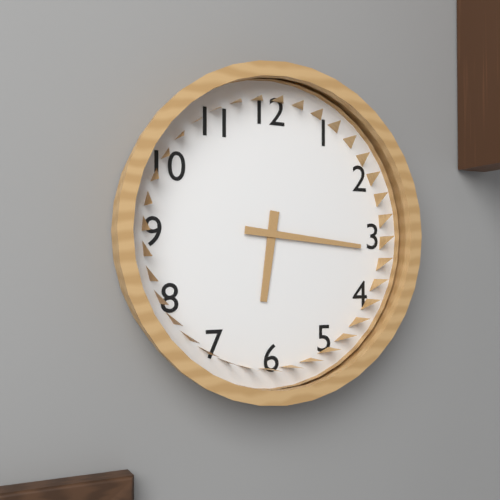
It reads {"hour": 6, "minute": 16}
